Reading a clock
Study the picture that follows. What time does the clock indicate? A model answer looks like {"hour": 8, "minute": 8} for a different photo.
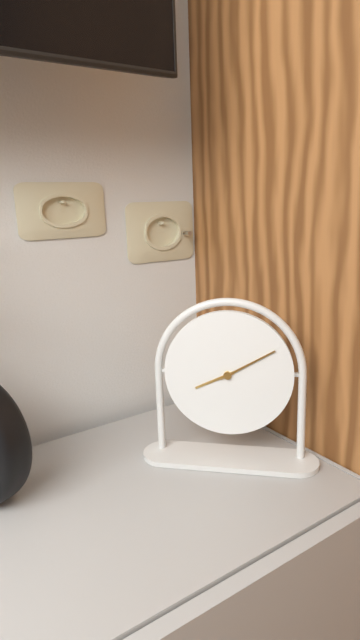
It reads {"hour": 8, "minute": 10}
